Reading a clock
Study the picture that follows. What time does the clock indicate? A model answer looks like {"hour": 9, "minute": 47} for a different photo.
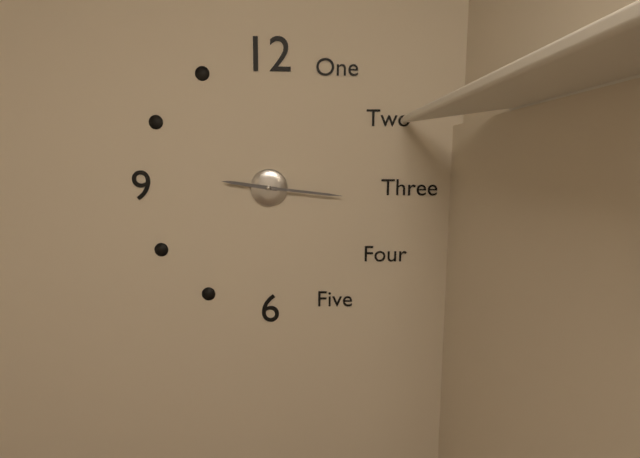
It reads {"hour": 9, "minute": 16}
